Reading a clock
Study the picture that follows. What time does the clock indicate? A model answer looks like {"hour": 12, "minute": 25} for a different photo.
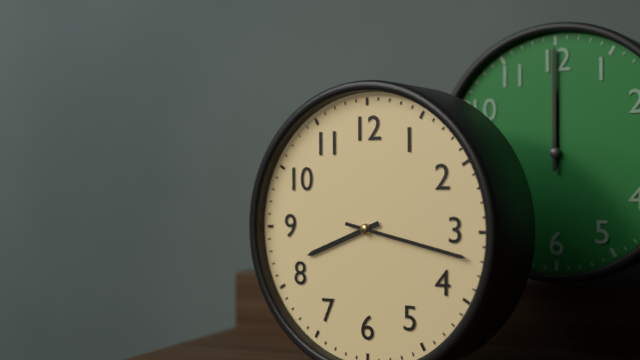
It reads {"hour": 8, "minute": 17}
